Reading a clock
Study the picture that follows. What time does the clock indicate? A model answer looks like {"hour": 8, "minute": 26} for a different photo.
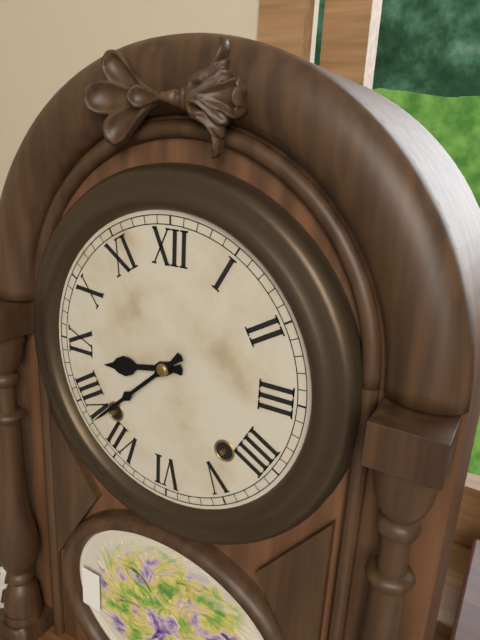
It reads {"hour": 8, "minute": 38}
